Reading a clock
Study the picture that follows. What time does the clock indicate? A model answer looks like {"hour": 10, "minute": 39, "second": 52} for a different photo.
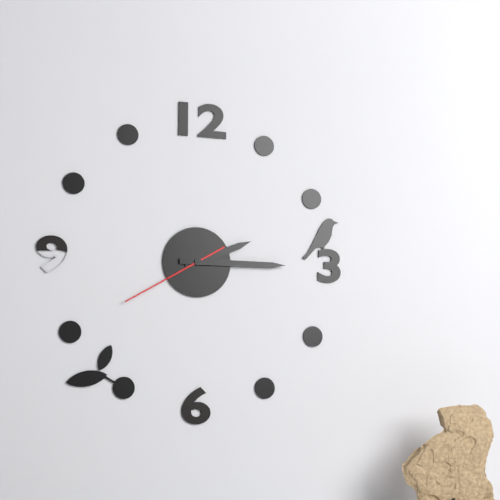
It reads {"hour": 2, "minute": 15, "second": 40}
